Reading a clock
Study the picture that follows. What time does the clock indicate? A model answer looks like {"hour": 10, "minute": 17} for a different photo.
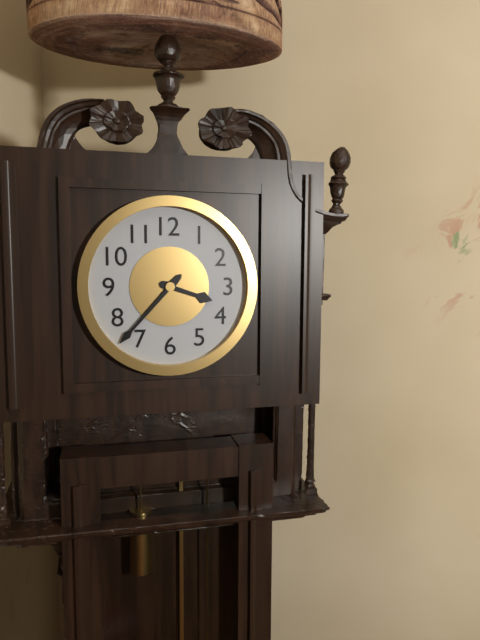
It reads {"hour": 3, "minute": 37}
